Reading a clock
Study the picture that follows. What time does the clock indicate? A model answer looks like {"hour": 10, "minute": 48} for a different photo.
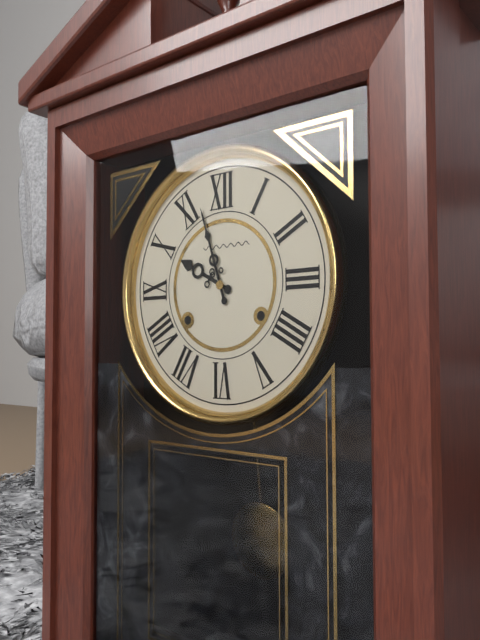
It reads {"hour": 9, "minute": 57}
